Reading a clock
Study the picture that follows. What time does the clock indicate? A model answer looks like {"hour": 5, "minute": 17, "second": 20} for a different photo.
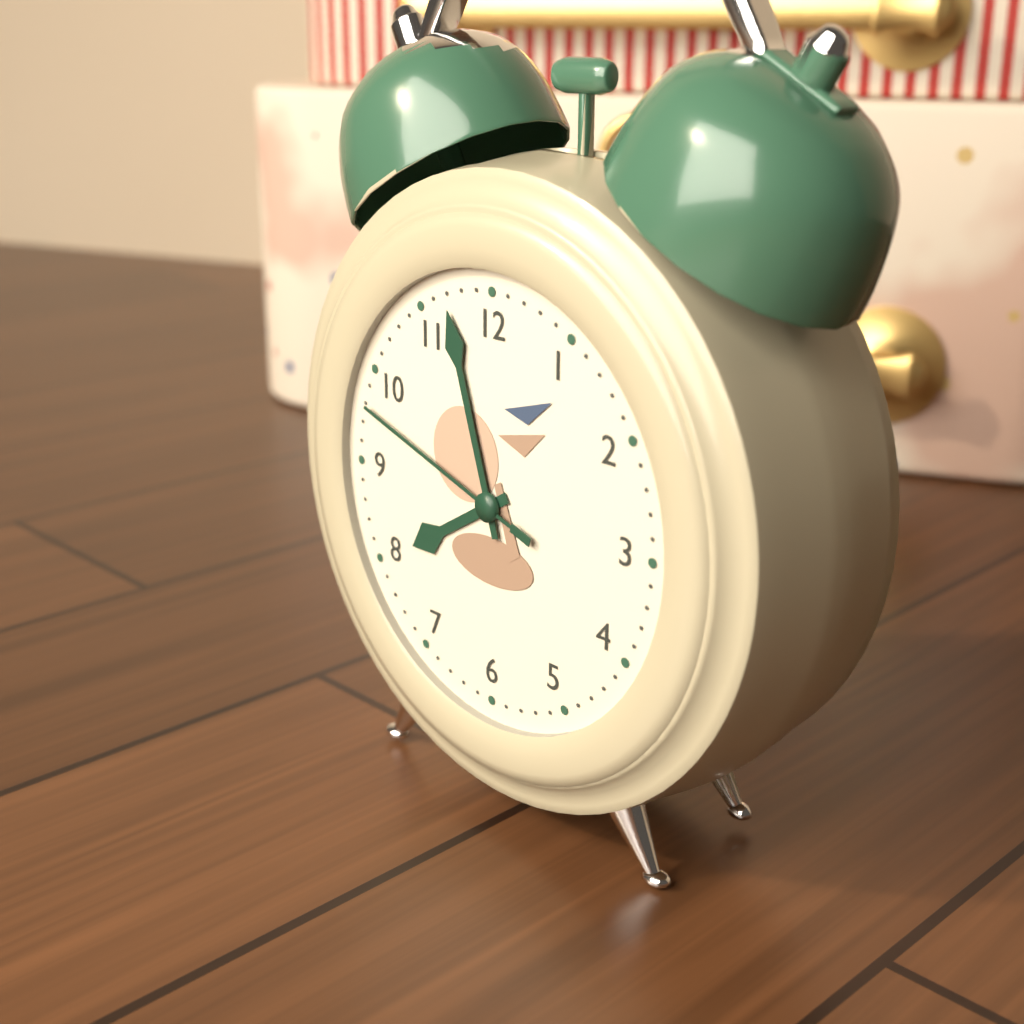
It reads {"hour": 7, "minute": 57, "second": 48}
